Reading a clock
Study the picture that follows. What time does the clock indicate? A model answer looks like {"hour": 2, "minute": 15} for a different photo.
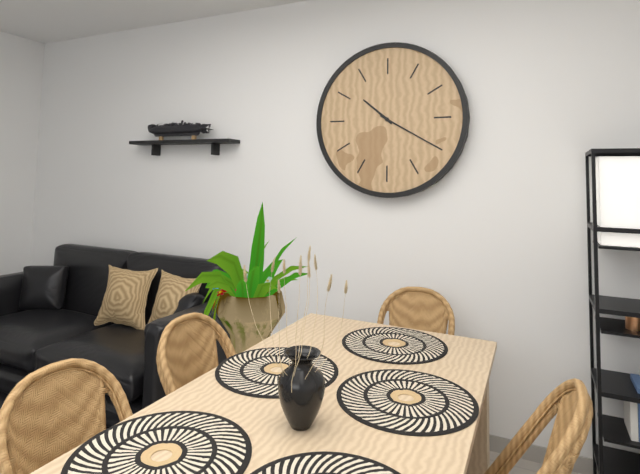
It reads {"hour": 10, "minute": 20}
